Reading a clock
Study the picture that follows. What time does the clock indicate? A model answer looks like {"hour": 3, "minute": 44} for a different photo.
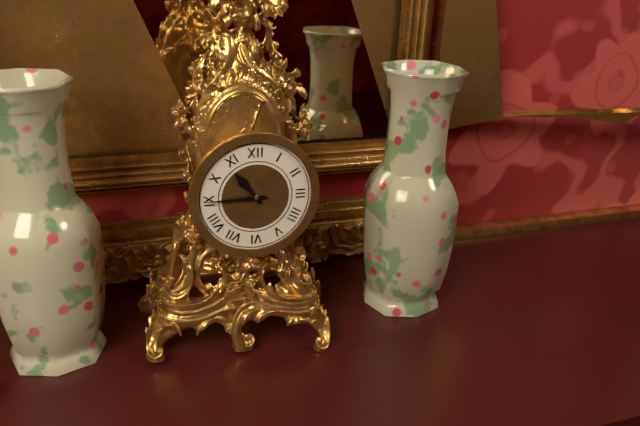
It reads {"hour": 10, "minute": 45}
